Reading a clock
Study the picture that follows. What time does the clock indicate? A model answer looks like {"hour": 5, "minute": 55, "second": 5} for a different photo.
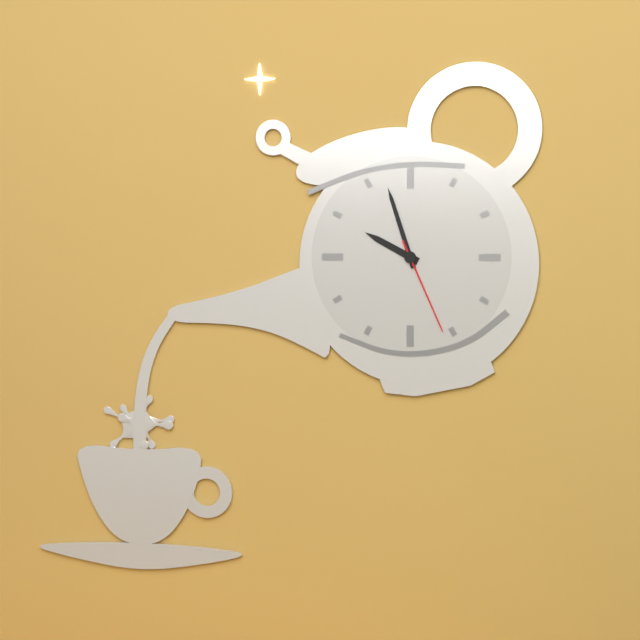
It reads {"hour": 9, "minute": 57, "second": 26}
